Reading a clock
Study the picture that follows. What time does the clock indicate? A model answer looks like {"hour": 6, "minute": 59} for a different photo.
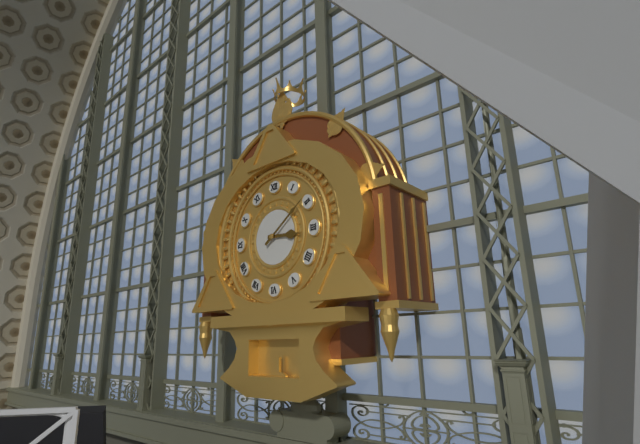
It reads {"hour": 3, "minute": 9}
